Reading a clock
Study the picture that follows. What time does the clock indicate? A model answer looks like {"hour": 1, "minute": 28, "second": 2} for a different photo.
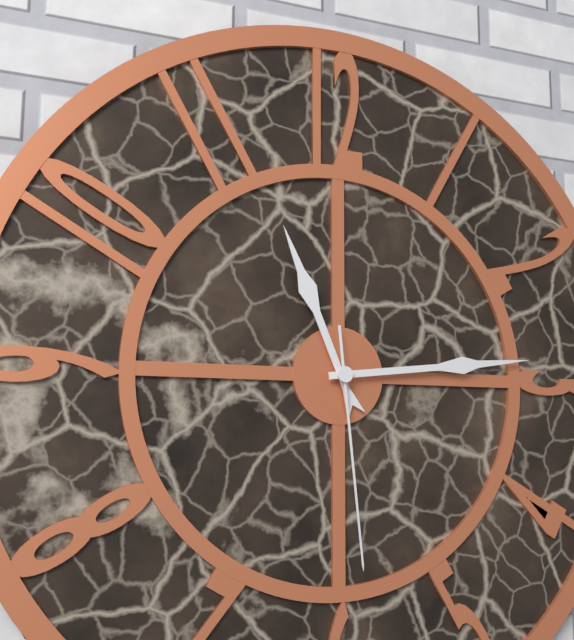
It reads {"hour": 11, "minute": 14, "second": 29}
